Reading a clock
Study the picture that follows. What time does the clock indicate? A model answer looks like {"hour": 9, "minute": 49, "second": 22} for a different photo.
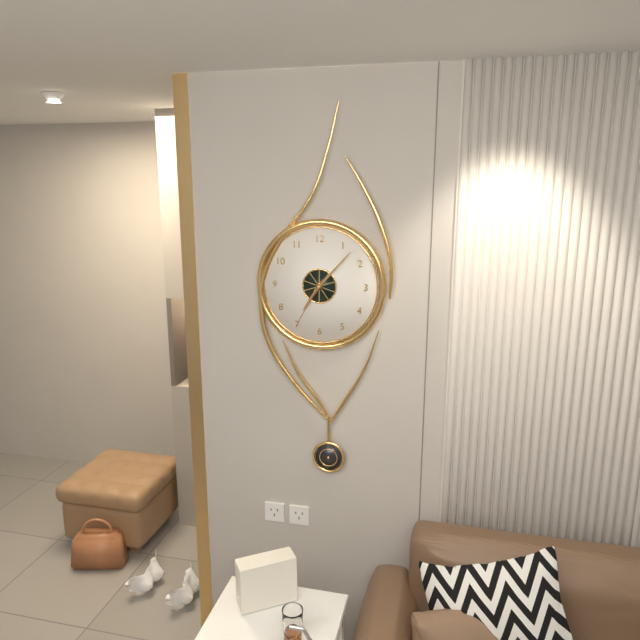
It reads {"hour": 7, "minute": 7, "second": 35}
